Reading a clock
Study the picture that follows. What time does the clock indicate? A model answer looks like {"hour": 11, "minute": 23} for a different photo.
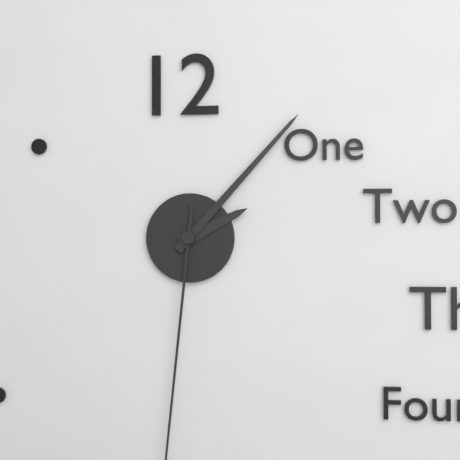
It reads {"hour": 2, "minute": 7}
